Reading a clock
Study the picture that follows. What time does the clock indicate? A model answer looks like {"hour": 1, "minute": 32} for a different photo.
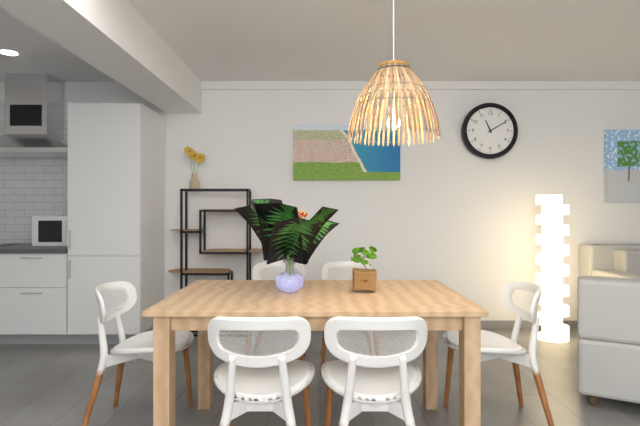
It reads {"hour": 11, "minute": 10}
